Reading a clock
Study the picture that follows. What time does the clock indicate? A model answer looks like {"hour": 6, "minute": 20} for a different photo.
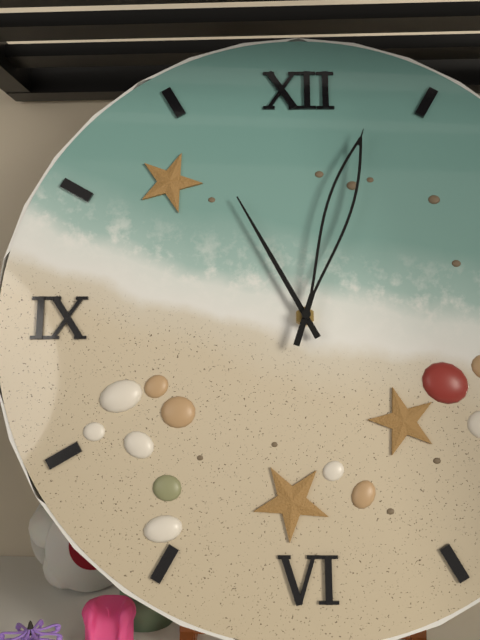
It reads {"hour": 11, "minute": 3}
